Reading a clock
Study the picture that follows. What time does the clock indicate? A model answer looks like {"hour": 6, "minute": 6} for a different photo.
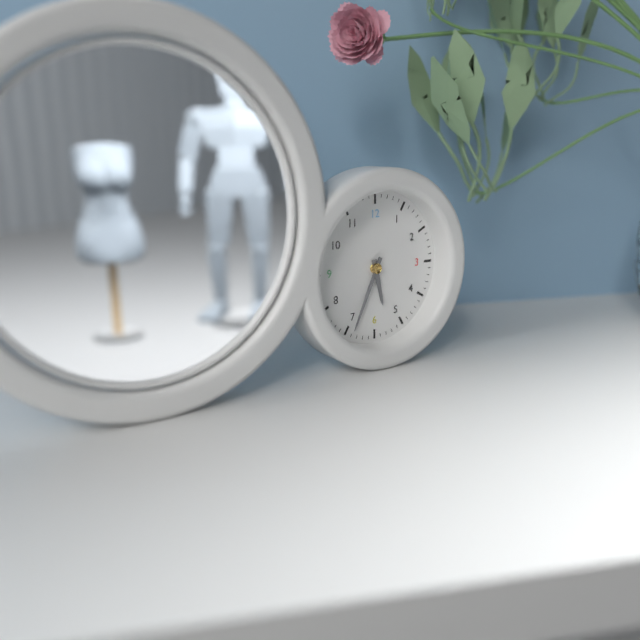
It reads {"hour": 5, "minute": 34}
